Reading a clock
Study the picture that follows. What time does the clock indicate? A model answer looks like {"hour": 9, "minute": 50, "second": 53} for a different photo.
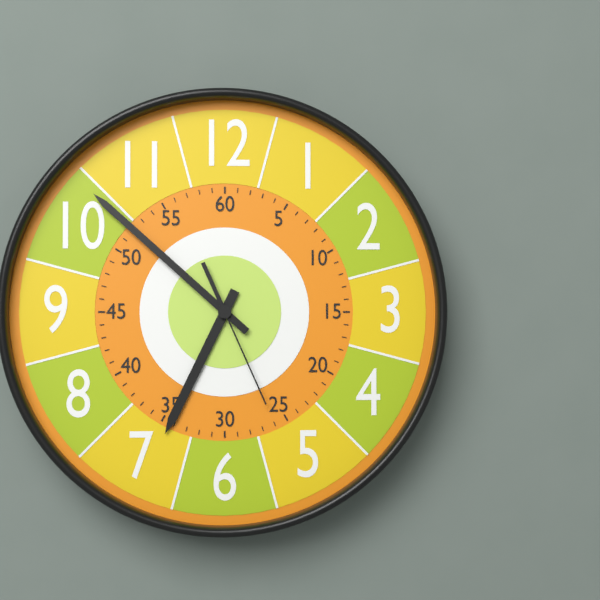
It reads {"hour": 6, "minute": 52, "second": 26}
